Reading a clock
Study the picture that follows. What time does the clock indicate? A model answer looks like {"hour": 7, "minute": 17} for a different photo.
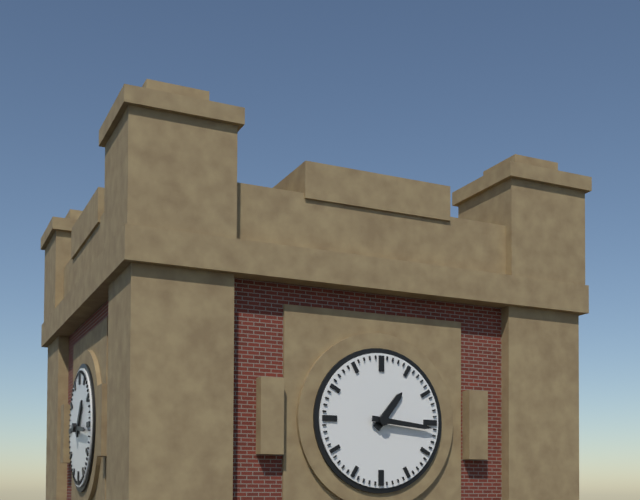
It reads {"hour": 1, "minute": 16}
